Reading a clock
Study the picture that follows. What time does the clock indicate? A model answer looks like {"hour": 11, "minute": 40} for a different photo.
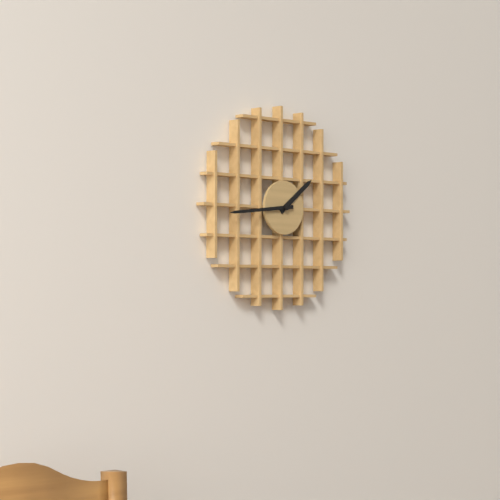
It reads {"hour": 1, "minute": 44}
